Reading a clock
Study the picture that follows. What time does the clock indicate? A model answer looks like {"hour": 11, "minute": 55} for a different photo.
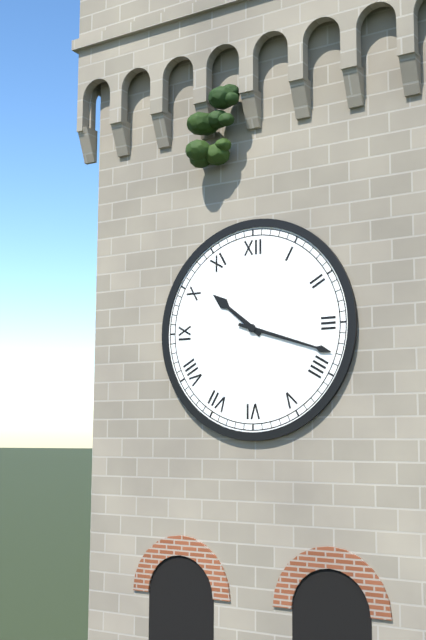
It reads {"hour": 10, "minute": 18}
